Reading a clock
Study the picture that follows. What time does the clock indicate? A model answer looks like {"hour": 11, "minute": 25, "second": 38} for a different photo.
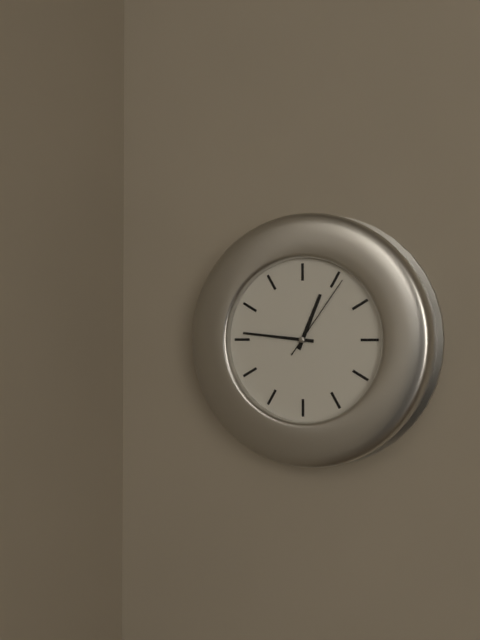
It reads {"hour": 12, "minute": 46, "second": 6}
